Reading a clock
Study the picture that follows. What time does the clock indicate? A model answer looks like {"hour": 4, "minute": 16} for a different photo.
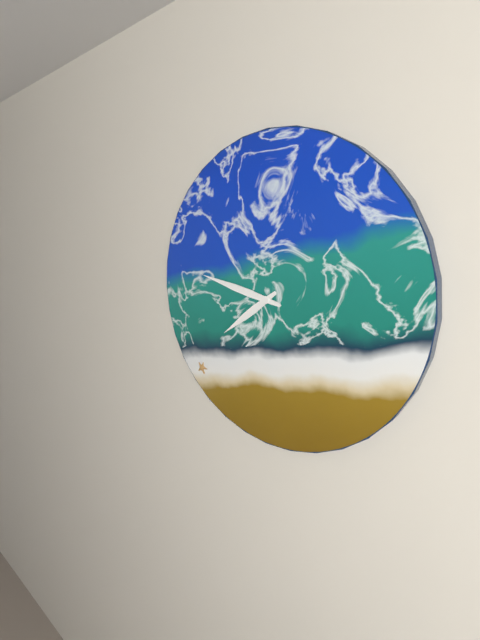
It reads {"hour": 7, "minute": 47}
